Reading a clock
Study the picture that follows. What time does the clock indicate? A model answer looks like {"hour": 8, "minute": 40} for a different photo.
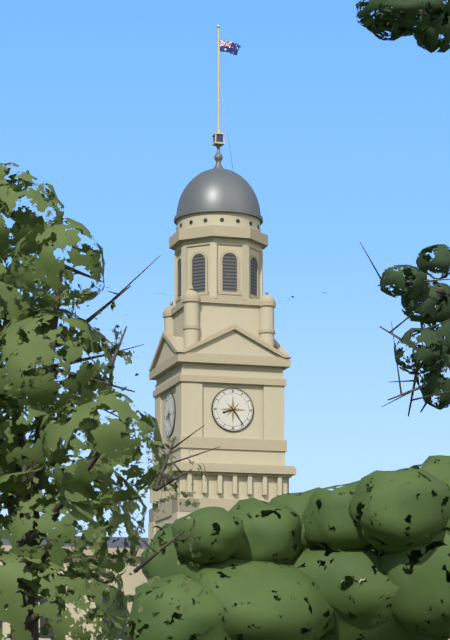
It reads {"hour": 8, "minute": 24}
